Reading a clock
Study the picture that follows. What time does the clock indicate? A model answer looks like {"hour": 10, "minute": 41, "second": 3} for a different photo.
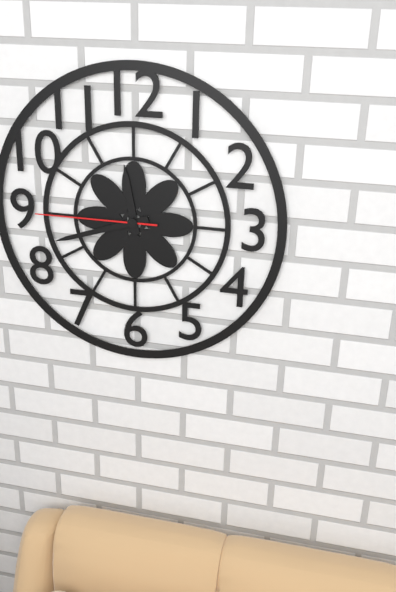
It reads {"hour": 11, "minute": 42, "second": 45}
